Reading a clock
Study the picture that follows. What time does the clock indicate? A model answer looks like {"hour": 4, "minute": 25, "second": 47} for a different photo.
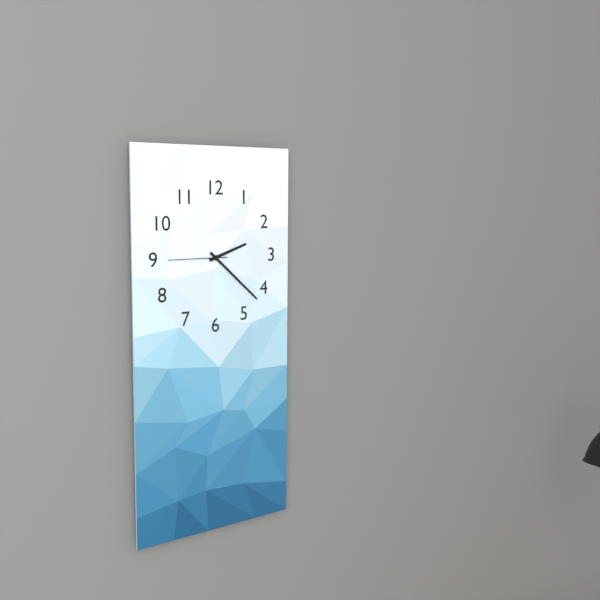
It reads {"hour": 2, "minute": 22, "second": 45}
